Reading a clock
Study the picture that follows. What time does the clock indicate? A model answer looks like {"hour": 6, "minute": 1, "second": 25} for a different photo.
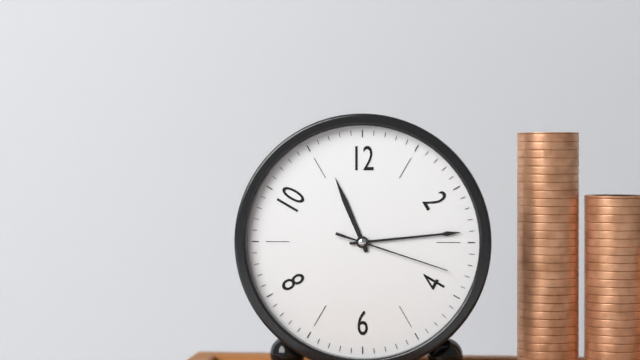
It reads {"hour": 11, "minute": 14, "second": 18}
